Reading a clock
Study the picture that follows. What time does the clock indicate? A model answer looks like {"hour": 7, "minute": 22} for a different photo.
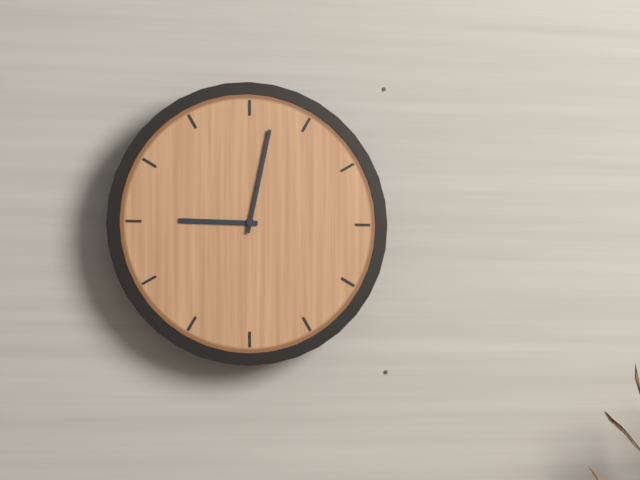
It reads {"hour": 9, "minute": 2}
